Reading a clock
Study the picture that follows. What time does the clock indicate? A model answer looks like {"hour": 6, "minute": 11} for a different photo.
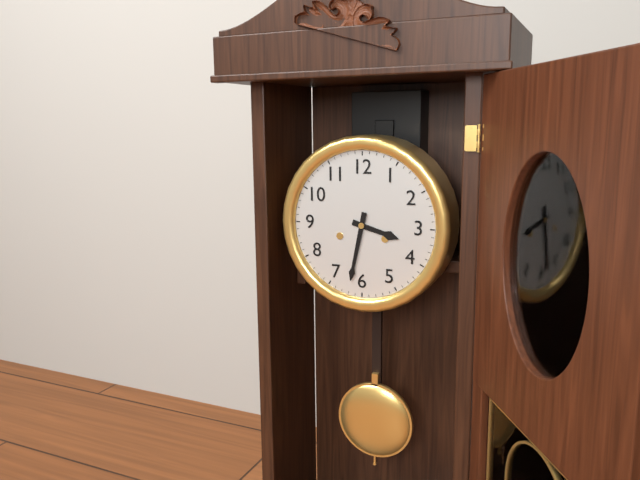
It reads {"hour": 3, "minute": 32}
